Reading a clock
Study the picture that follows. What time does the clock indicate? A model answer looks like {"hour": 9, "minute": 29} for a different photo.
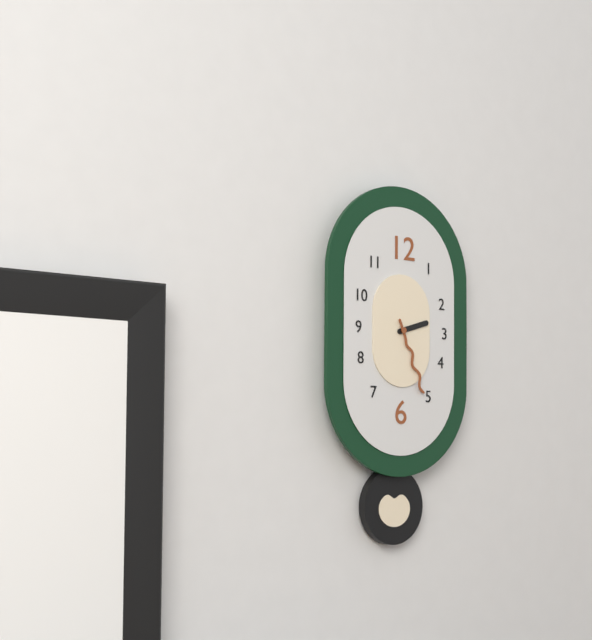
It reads {"hour": 2, "minute": 26}
